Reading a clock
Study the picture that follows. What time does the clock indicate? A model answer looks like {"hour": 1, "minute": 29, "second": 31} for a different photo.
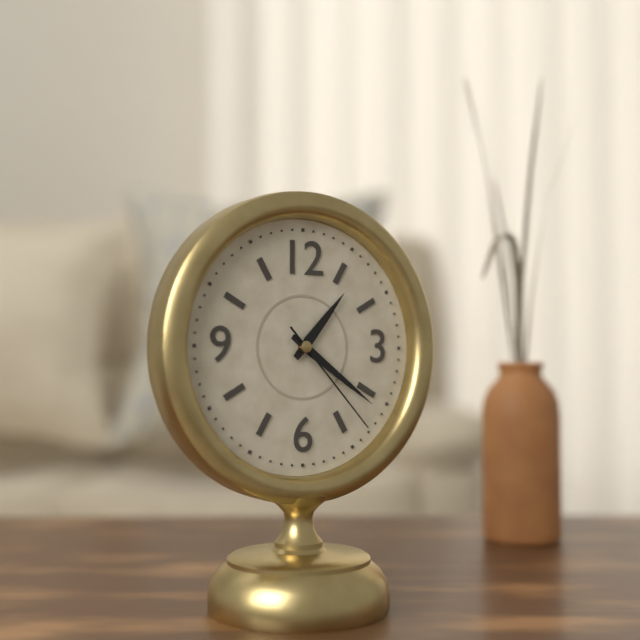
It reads {"hour": 1, "minute": 21, "second": 23}
